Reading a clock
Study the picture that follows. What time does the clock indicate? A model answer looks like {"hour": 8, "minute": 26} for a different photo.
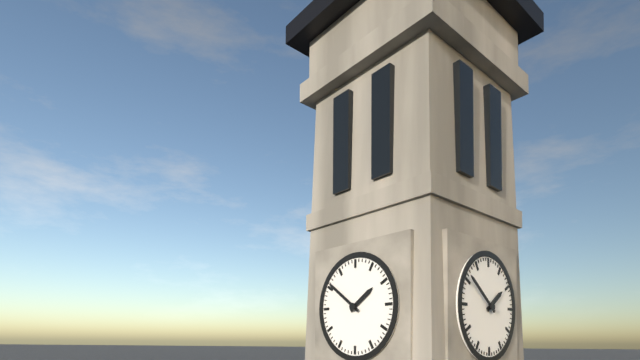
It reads {"hour": 1, "minute": 51}
